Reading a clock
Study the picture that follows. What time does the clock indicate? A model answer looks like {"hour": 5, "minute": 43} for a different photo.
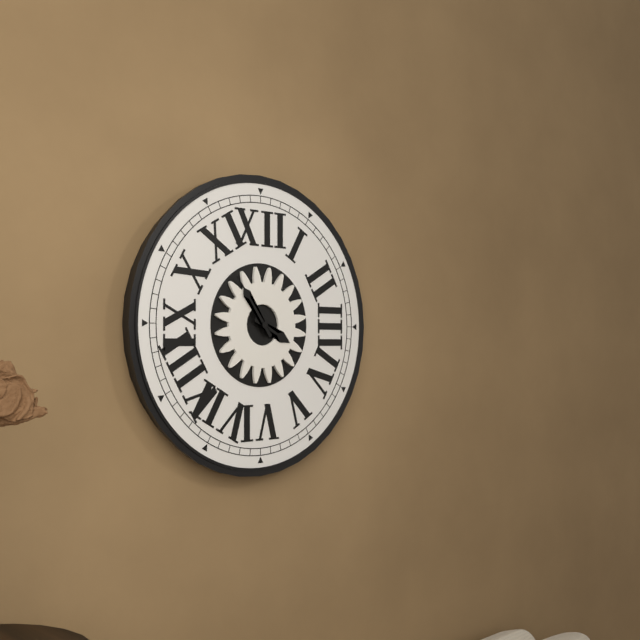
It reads {"hour": 3, "minute": 54}
